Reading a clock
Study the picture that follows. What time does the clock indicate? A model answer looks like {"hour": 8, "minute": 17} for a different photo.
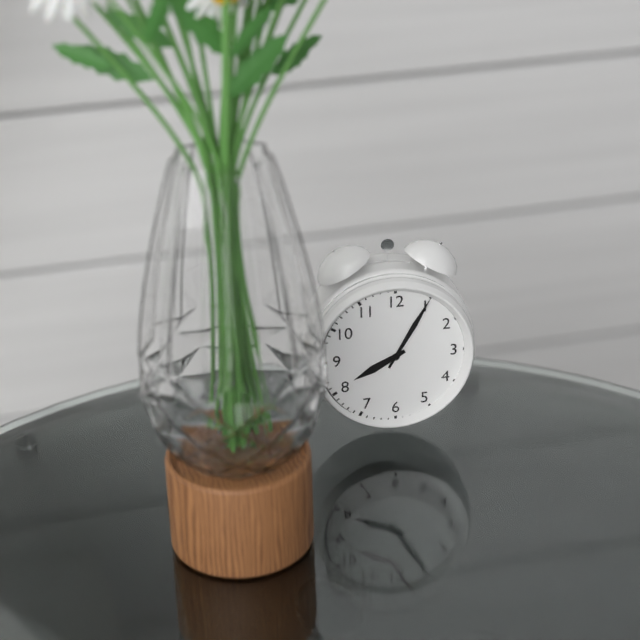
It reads {"hour": 8, "minute": 5}
